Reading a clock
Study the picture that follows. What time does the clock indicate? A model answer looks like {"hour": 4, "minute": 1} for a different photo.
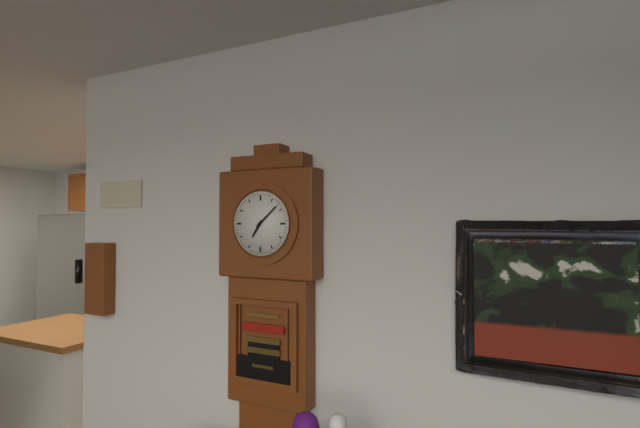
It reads {"hour": 7, "minute": 8}
